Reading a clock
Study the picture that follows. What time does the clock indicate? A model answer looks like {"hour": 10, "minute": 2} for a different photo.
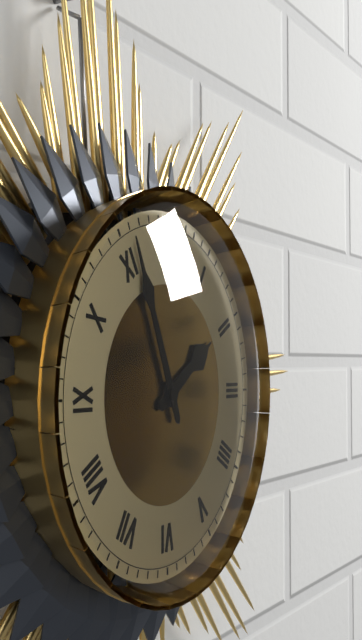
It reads {"hour": 1, "minute": 56}
